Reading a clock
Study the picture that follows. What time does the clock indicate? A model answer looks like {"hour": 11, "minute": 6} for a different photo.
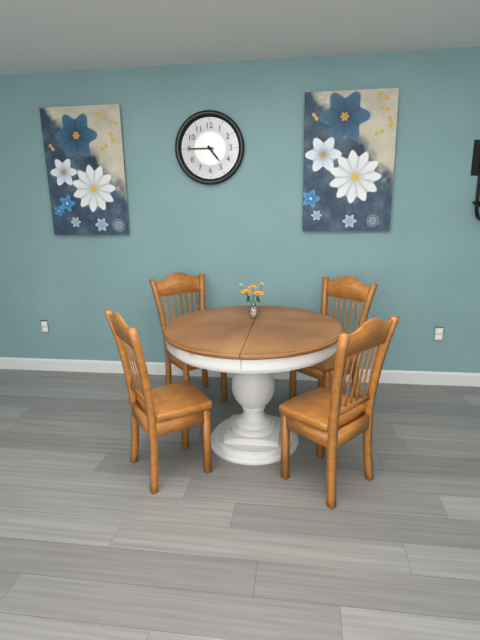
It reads {"hour": 4, "minute": 45}
